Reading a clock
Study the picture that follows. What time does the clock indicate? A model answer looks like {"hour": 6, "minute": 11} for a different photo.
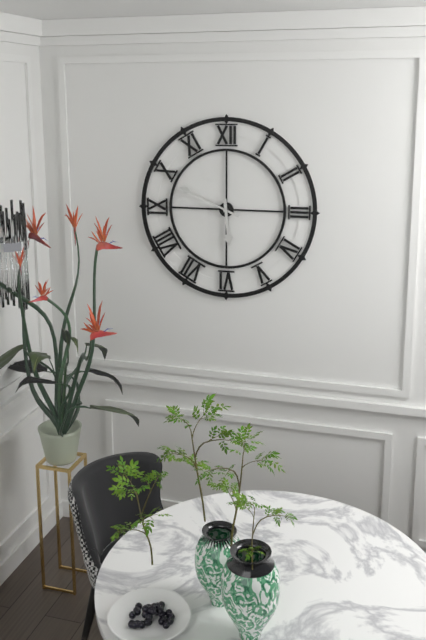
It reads {"hour": 5, "minute": 49}
